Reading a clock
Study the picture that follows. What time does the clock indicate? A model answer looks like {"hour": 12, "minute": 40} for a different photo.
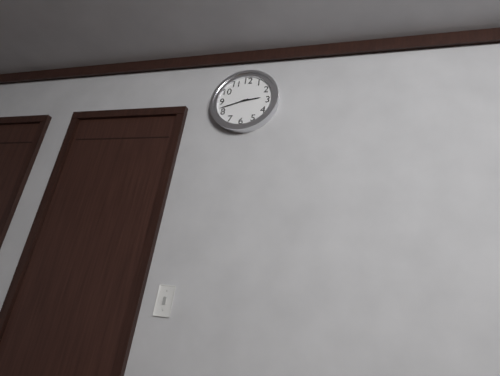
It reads {"hour": 2, "minute": 42}
